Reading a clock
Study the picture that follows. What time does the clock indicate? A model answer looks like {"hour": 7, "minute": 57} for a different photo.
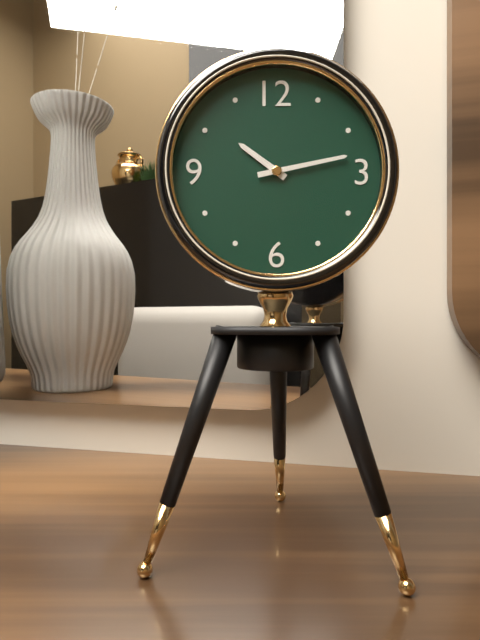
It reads {"hour": 10, "minute": 13}
